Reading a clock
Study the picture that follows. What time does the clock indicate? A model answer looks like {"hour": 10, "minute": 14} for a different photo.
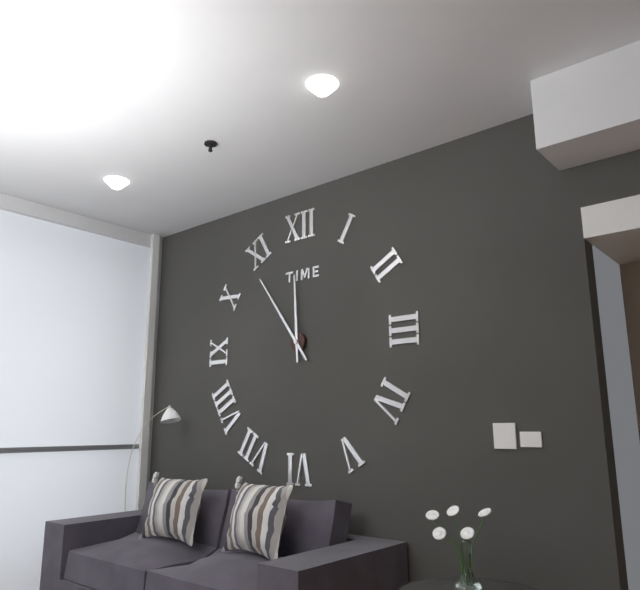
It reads {"hour": 11, "minute": 54}
